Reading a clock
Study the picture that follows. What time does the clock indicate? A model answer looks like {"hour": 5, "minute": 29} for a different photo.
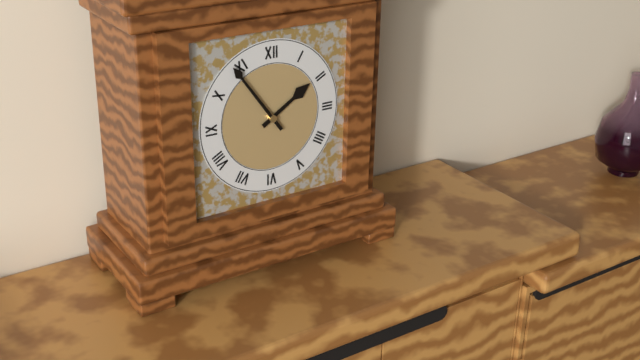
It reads {"hour": 1, "minute": 54}
